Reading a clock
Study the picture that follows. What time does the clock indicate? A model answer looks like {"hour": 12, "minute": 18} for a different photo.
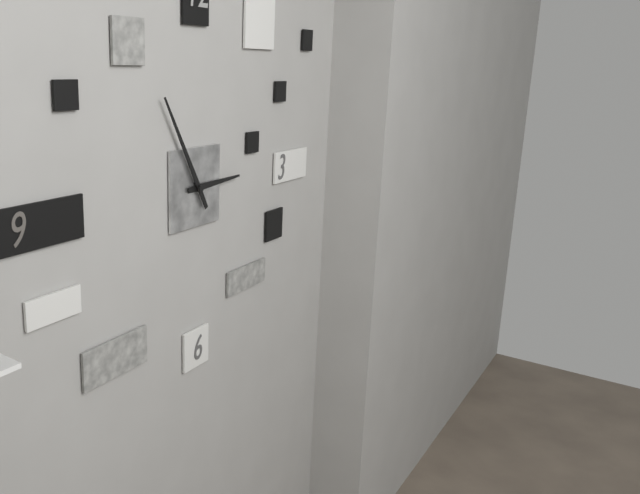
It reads {"hour": 2, "minute": 55}
